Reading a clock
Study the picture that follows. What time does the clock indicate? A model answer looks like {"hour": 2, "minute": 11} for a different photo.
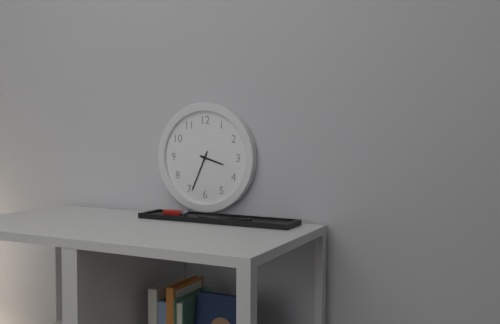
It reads {"hour": 3, "minute": 34}
